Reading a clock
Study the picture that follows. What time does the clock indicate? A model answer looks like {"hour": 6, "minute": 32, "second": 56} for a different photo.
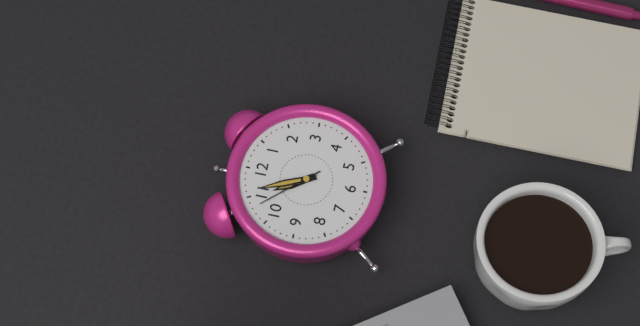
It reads {"hour": 10, "minute": 56, "second": 53}
